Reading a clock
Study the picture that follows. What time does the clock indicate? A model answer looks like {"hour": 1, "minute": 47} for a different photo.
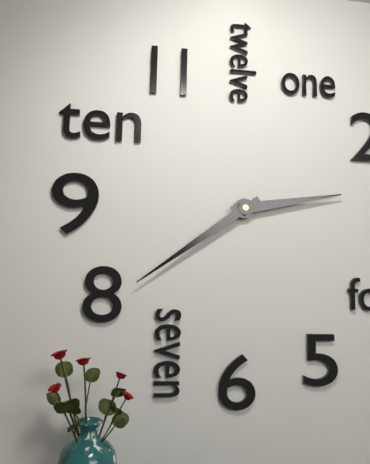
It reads {"hour": 2, "minute": 39}
